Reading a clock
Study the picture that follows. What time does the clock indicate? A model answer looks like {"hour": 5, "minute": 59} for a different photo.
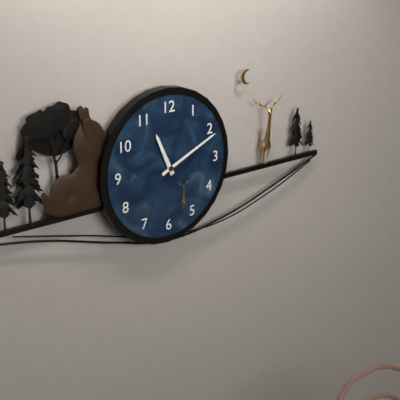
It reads {"hour": 11, "minute": 11}
